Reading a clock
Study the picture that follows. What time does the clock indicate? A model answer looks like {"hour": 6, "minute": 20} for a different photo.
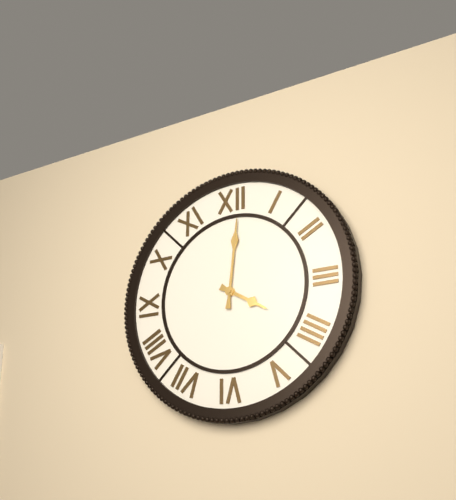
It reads {"hour": 4, "minute": 1}
